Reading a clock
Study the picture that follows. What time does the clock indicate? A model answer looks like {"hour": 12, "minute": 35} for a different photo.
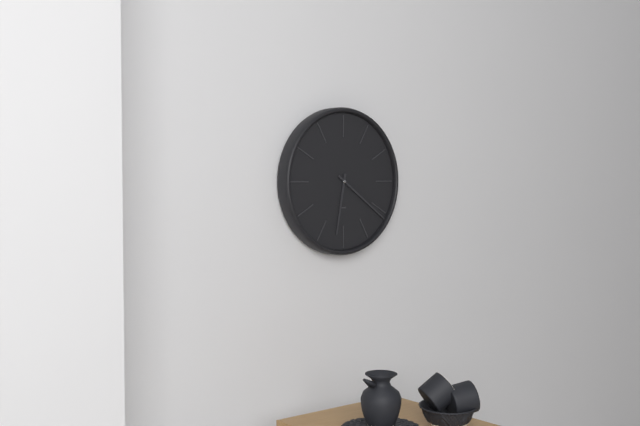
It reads {"hour": 6, "minute": 21}
